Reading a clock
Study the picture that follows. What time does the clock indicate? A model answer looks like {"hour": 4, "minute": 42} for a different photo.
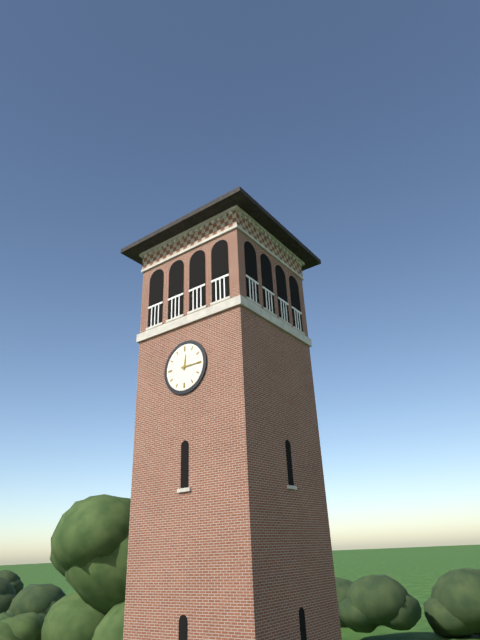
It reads {"hour": 12, "minute": 15}
